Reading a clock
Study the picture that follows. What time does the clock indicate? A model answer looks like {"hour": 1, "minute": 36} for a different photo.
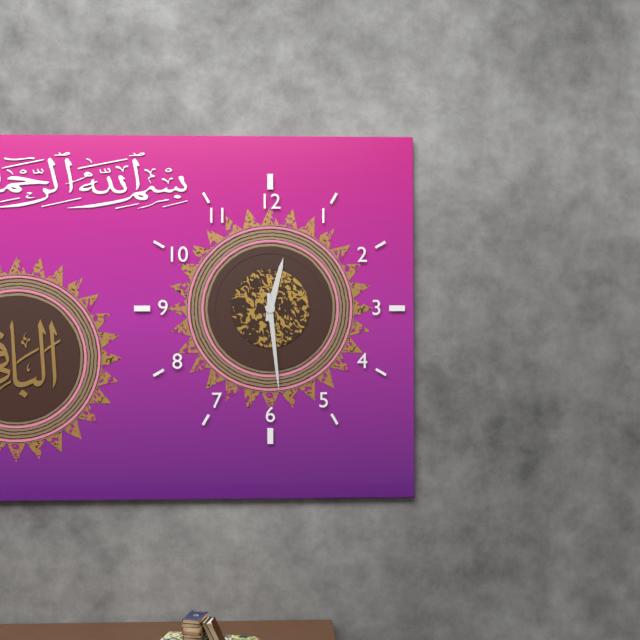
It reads {"hour": 12, "minute": 29}
